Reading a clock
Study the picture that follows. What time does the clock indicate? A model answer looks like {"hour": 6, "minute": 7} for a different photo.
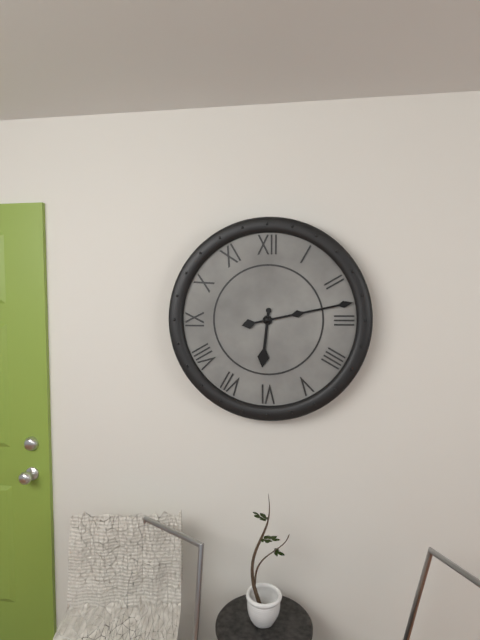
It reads {"hour": 6, "minute": 13}
